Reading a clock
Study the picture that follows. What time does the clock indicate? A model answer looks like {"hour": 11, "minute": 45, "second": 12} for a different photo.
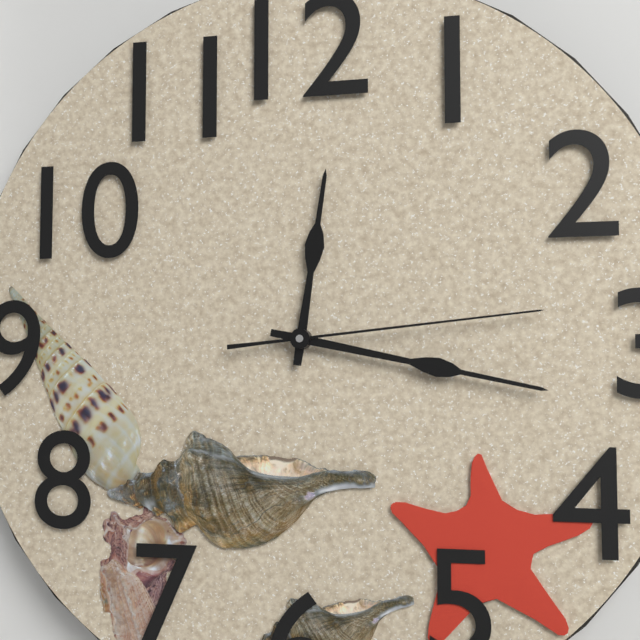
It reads {"hour": 12, "minute": 17, "second": 14}
